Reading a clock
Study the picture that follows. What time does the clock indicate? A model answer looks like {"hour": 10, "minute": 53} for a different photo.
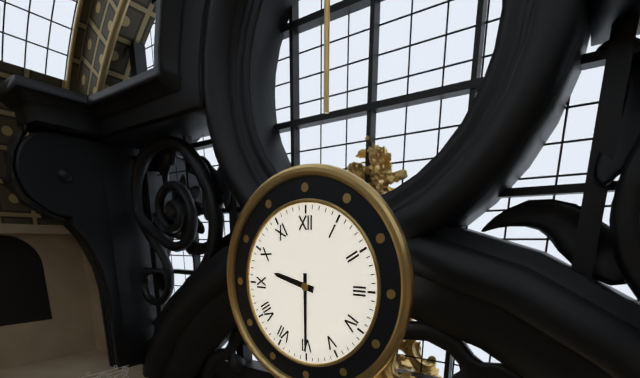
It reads {"hour": 9, "minute": 30}
